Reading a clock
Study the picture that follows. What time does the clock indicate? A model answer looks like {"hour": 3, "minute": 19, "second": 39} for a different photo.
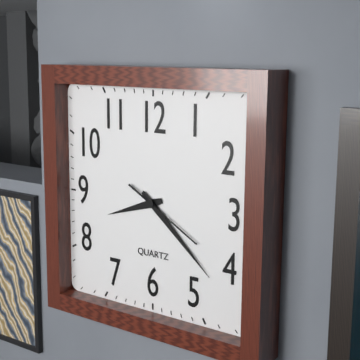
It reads {"hour": 8, "minute": 22, "second": 20}
